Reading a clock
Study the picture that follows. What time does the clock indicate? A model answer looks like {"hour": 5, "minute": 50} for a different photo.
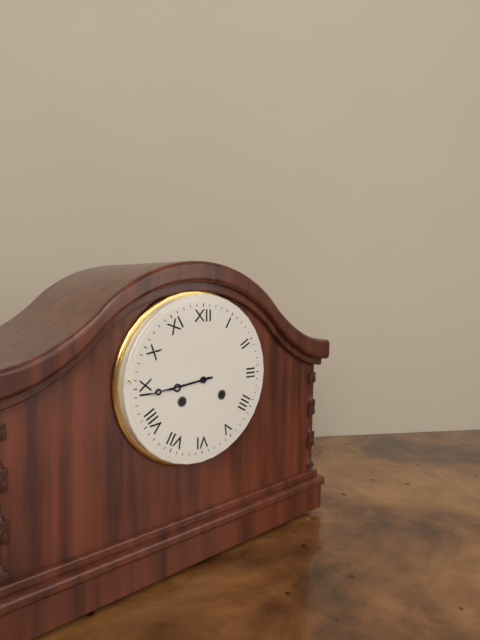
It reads {"hour": 8, "minute": 44}
